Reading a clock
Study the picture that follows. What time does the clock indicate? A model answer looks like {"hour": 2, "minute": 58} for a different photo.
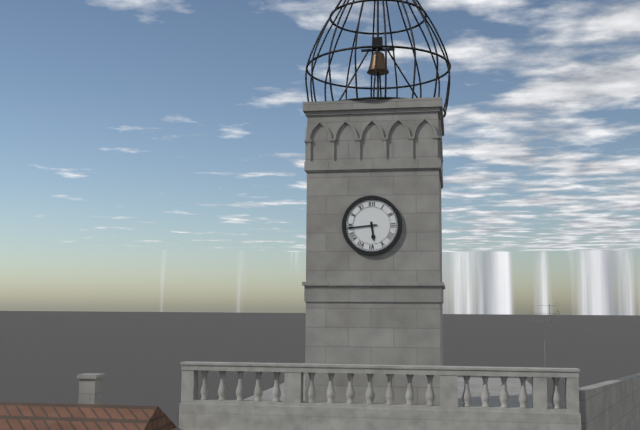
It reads {"hour": 5, "minute": 44}
